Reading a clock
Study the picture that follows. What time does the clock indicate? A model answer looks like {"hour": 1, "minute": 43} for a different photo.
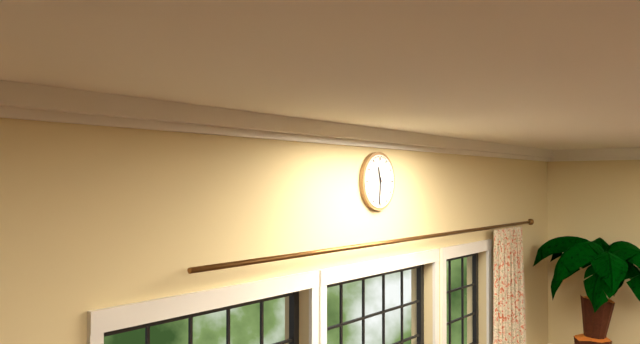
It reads {"hour": 11, "minute": 31}
